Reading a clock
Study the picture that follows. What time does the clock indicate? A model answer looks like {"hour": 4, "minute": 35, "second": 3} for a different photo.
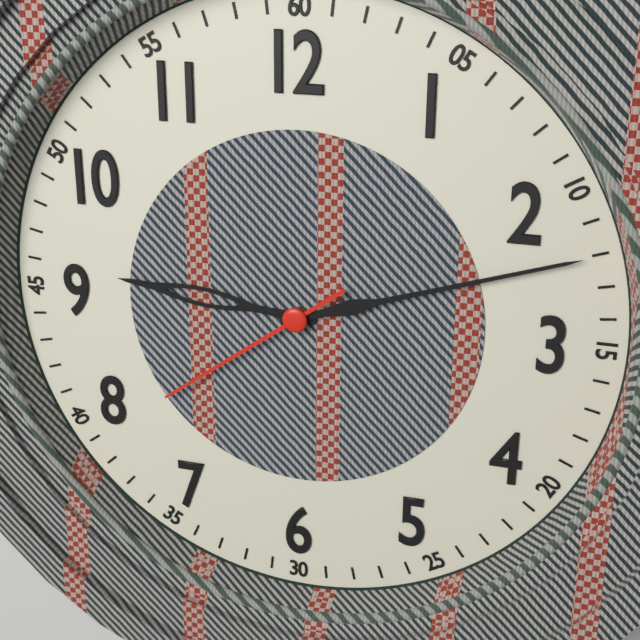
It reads {"hour": 9, "minute": 12, "second": 39}
